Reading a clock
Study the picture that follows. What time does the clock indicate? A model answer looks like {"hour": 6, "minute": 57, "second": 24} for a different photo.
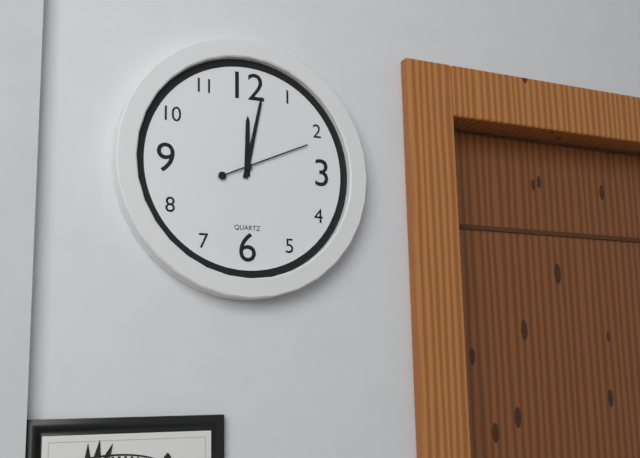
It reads {"hour": 12, "minute": 2, "second": 11}
